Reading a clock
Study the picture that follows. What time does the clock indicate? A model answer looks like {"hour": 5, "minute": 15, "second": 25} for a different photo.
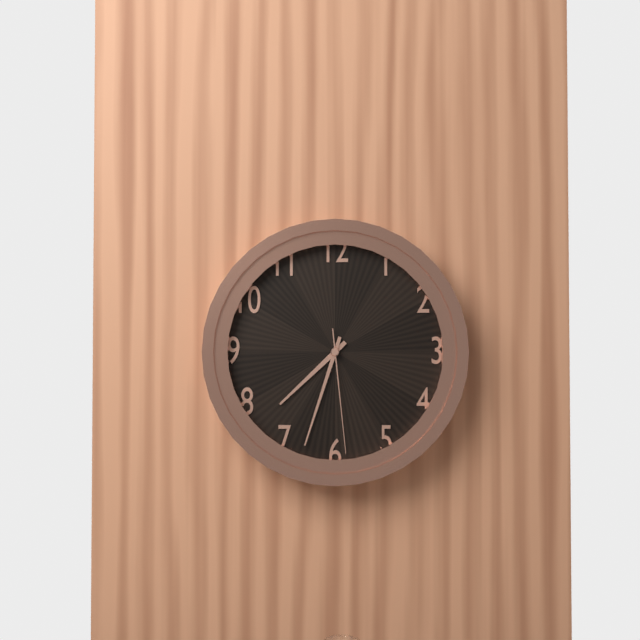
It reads {"hour": 7, "minute": 33, "second": 29}
